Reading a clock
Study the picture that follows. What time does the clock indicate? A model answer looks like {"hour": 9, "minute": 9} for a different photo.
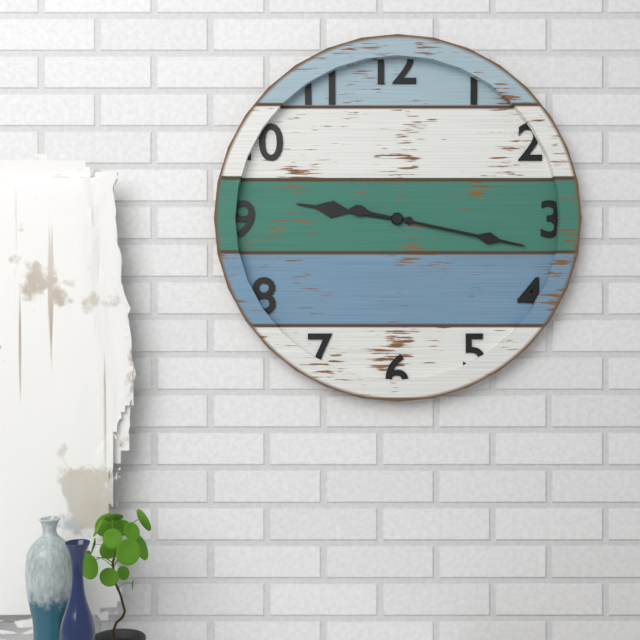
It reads {"hour": 9, "minute": 17}
